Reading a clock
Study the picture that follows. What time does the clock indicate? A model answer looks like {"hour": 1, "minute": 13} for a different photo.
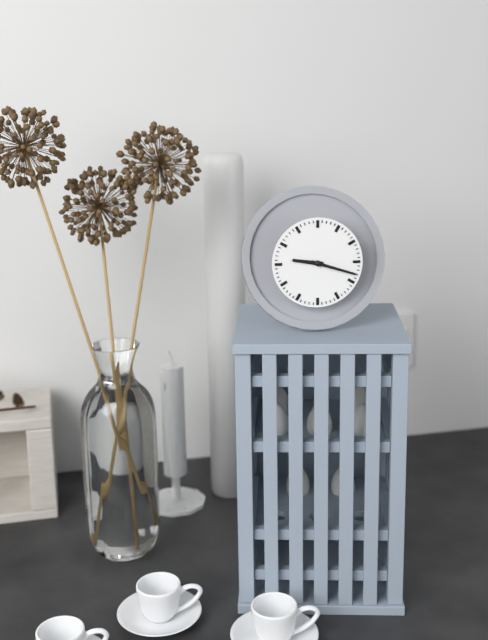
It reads {"hour": 9, "minute": 18}
